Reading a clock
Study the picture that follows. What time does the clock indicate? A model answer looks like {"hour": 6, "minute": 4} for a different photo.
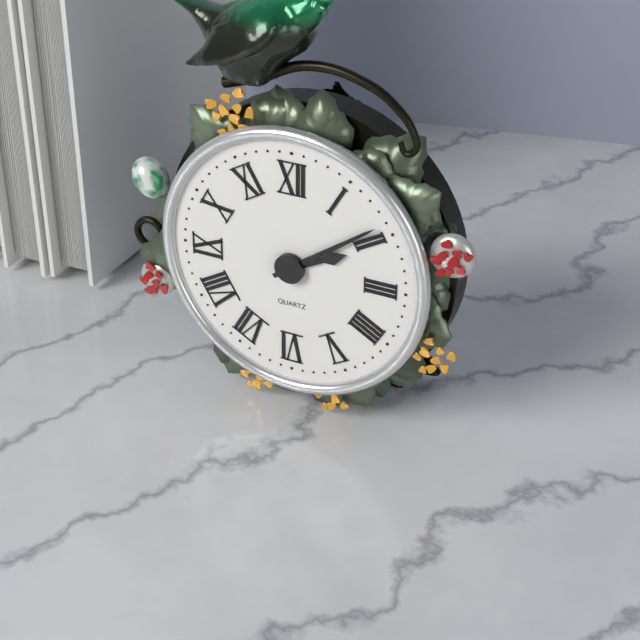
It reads {"hour": 2, "minute": 9}
